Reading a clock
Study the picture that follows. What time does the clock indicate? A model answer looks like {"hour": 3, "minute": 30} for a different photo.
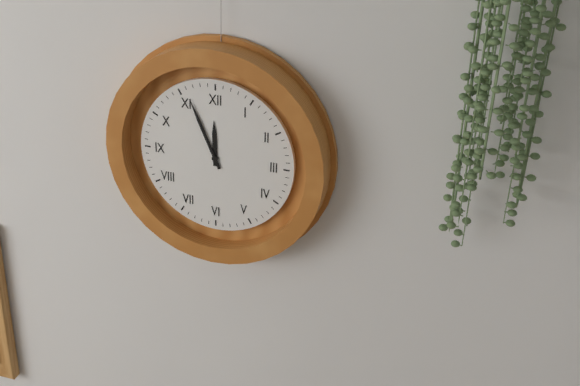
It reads {"hour": 11, "minute": 56}
